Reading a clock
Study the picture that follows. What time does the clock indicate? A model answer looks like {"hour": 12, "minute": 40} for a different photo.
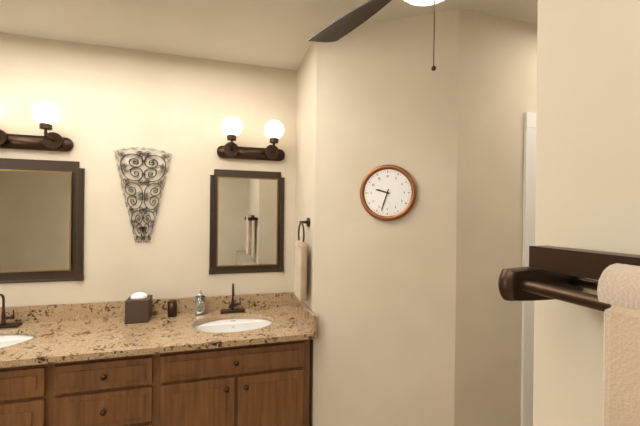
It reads {"hour": 9, "minute": 33}
